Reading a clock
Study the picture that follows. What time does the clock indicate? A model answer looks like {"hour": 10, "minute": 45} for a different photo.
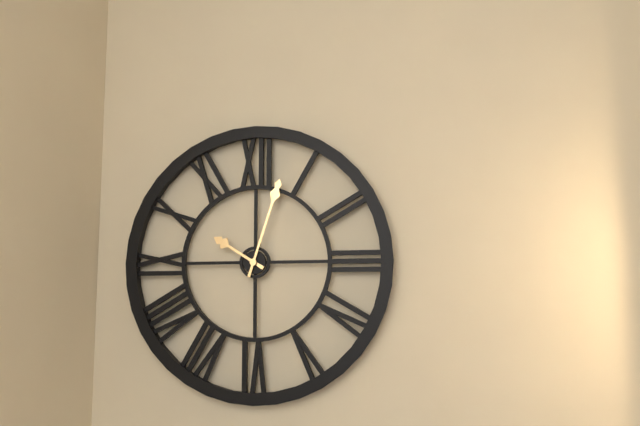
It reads {"hour": 10, "minute": 3}
